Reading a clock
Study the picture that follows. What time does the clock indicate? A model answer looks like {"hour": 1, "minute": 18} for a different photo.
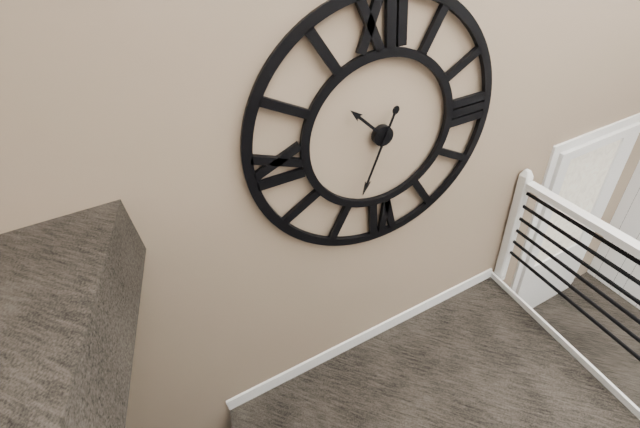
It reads {"hour": 10, "minute": 34}
